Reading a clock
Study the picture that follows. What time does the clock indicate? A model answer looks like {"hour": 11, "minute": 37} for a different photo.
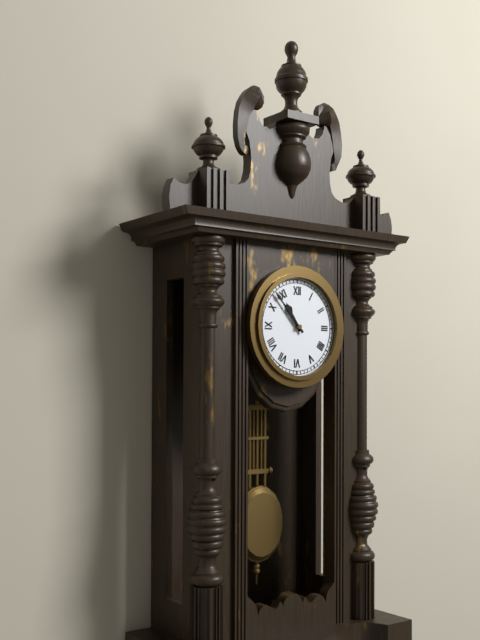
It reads {"hour": 10, "minute": 53}
